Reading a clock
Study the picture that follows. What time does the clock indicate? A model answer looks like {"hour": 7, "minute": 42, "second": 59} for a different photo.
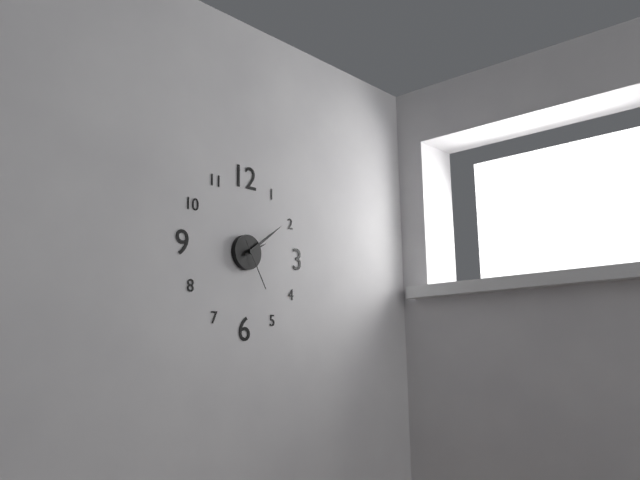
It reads {"hour": 2, "minute": 9, "second": 25}
